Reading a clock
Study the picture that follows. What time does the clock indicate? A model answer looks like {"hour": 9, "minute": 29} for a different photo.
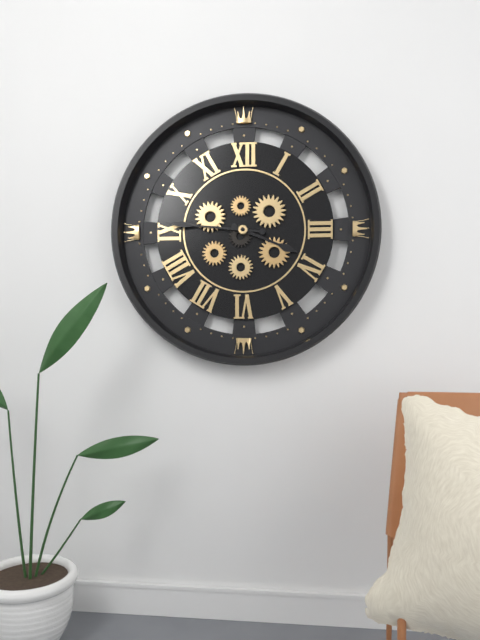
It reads {"hour": 3, "minute": 46}
